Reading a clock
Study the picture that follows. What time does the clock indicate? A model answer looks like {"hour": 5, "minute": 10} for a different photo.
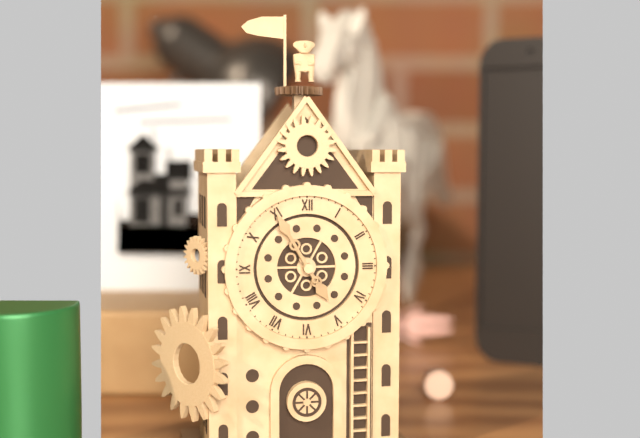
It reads {"hour": 4, "minute": 55}
